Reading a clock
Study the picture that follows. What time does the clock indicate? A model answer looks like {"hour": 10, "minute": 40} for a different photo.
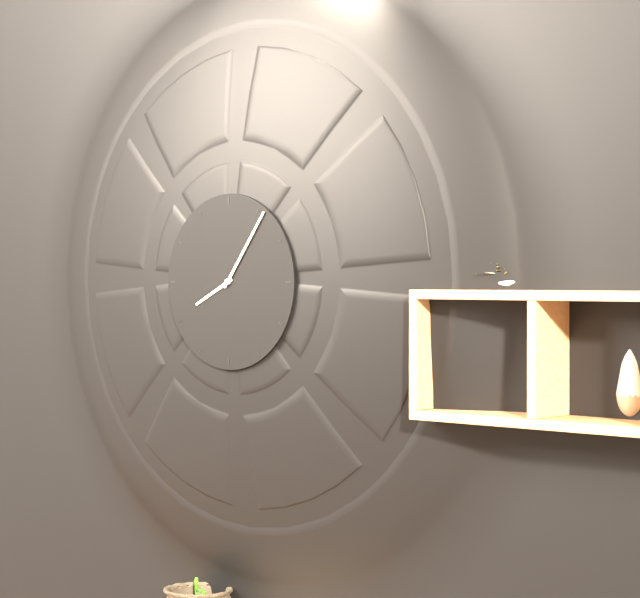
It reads {"hour": 8, "minute": 6}
